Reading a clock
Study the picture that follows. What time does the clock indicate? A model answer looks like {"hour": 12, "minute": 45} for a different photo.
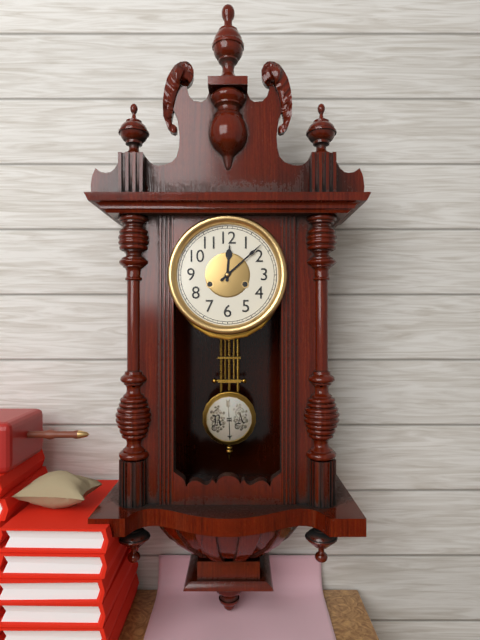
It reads {"hour": 12, "minute": 8}
